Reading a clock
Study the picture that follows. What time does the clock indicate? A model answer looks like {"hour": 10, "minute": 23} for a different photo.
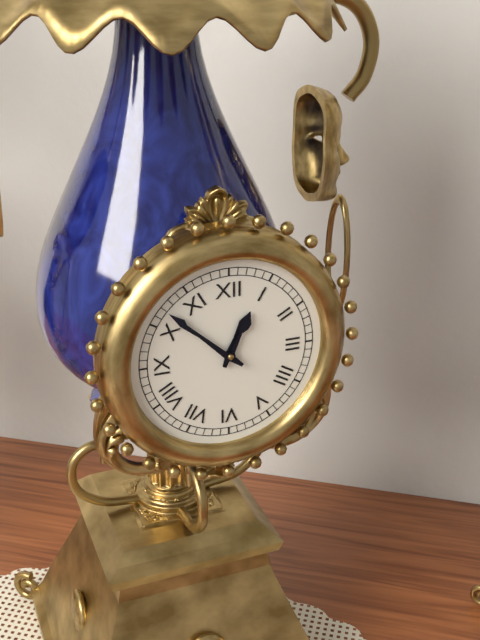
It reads {"hour": 12, "minute": 52}
